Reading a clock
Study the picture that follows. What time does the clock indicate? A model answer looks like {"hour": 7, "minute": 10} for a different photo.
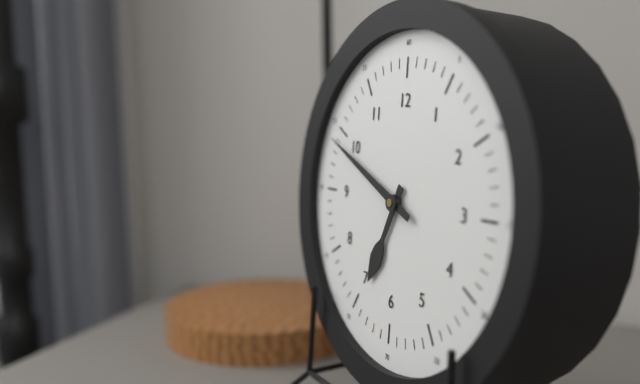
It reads {"hour": 6, "minute": 49}
